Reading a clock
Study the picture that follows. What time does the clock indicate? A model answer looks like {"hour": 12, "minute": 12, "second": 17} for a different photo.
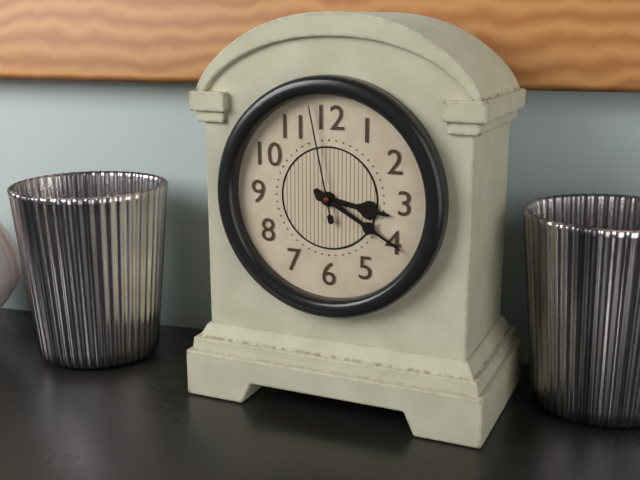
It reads {"hour": 3, "minute": 20, "second": 58}
